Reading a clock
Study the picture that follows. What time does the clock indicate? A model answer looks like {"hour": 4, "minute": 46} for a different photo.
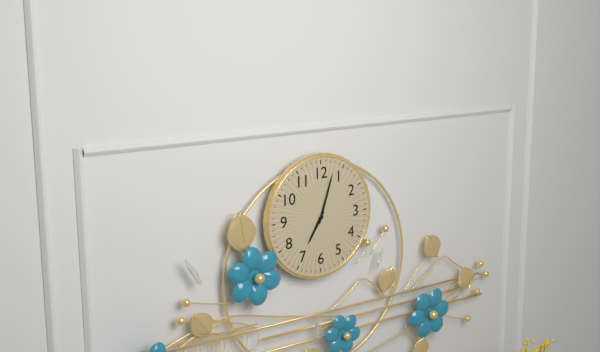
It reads {"hour": 7, "minute": 3}
